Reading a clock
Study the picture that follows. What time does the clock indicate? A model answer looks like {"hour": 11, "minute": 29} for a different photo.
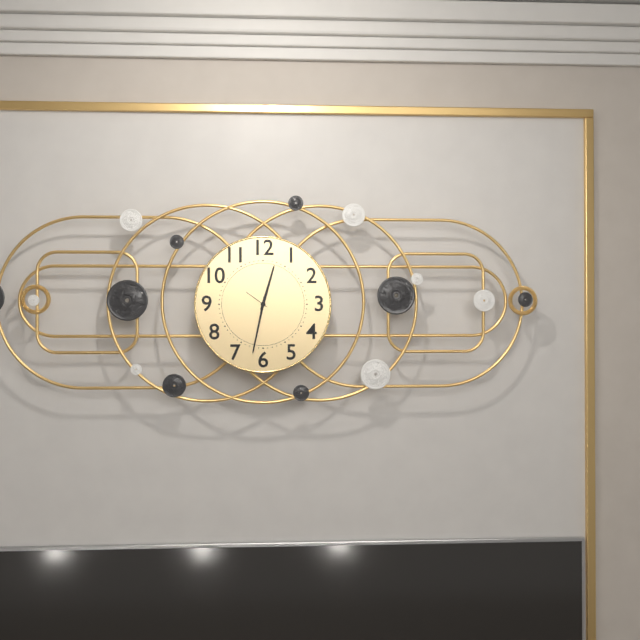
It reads {"hour": 12, "minute": 32}
